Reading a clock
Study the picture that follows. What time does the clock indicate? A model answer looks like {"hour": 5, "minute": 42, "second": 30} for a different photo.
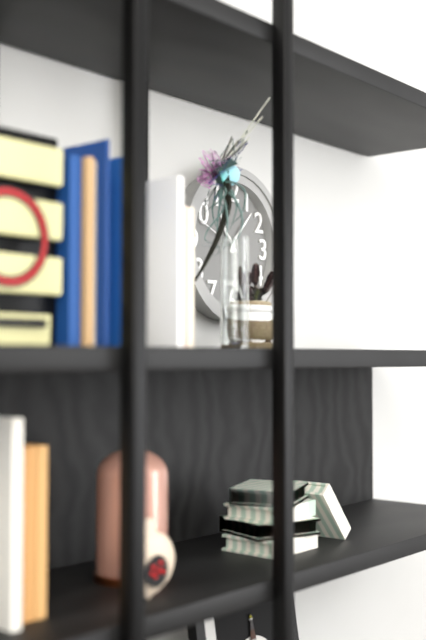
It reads {"hour": 11, "minute": 7, "second": 49}
